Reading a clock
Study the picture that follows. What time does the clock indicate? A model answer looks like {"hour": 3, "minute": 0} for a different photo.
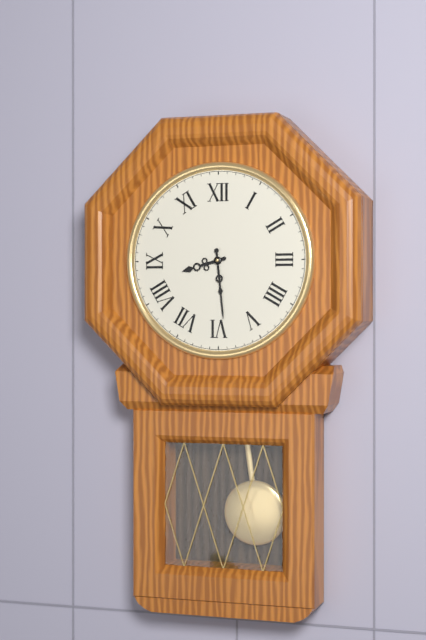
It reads {"hour": 8, "minute": 29}
